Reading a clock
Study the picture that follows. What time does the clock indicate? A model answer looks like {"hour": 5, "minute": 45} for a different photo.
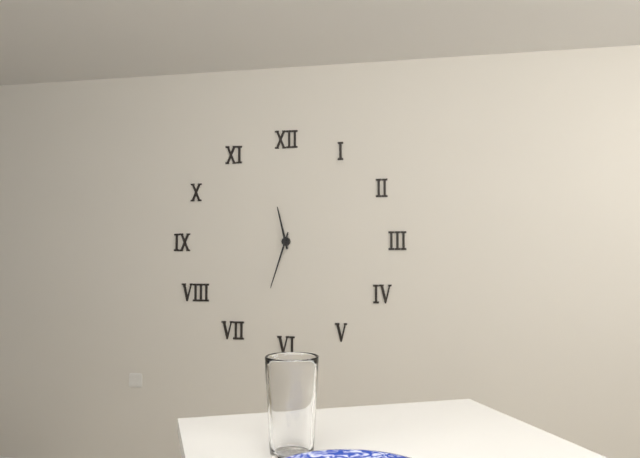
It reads {"hour": 11, "minute": 33}
